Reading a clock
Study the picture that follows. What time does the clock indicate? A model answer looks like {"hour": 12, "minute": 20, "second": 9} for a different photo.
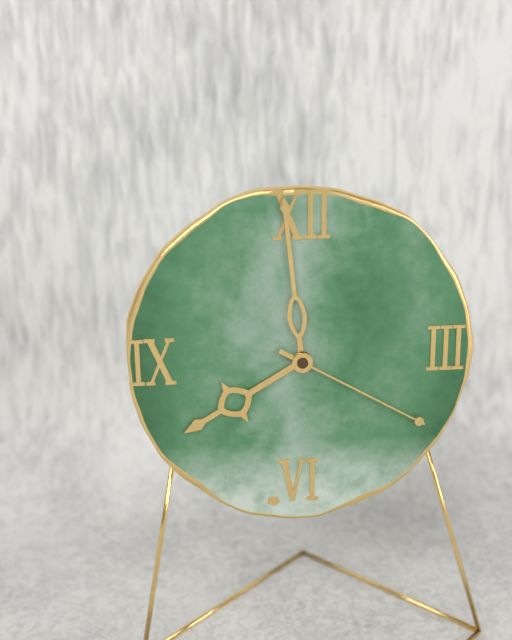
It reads {"hour": 7, "minute": 59, "second": 20}
